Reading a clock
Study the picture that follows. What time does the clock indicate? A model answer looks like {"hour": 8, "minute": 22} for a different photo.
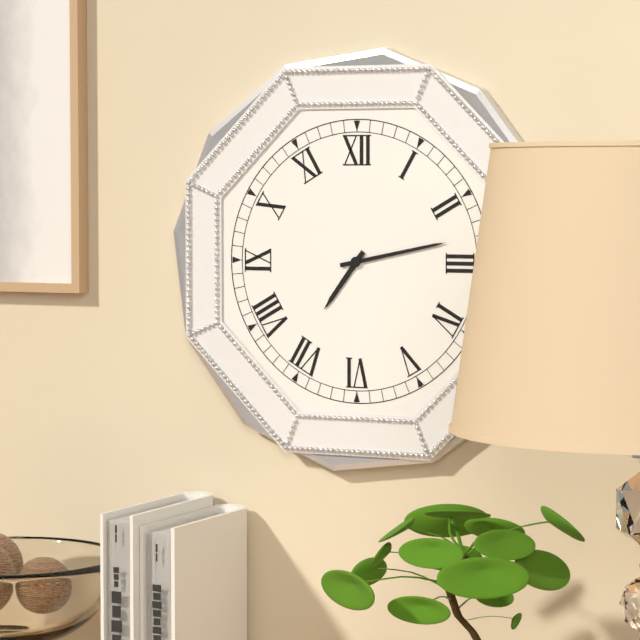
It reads {"hour": 7, "minute": 13}
